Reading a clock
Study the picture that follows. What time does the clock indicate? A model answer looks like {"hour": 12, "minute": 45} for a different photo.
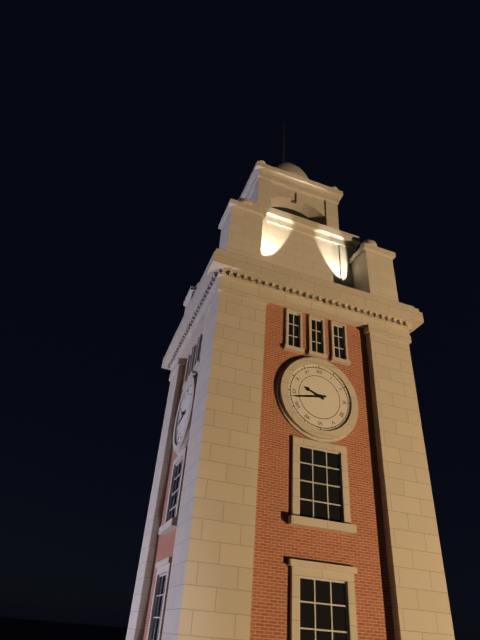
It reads {"hour": 9, "minute": 43}
